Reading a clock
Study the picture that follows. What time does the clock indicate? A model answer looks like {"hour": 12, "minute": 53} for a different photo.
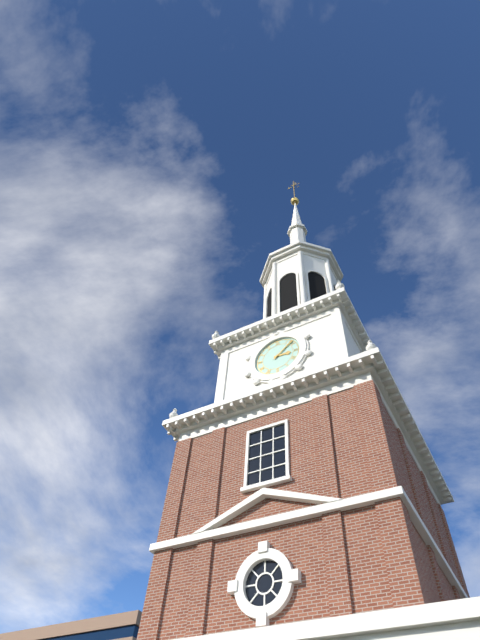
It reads {"hour": 3, "minute": 8}
